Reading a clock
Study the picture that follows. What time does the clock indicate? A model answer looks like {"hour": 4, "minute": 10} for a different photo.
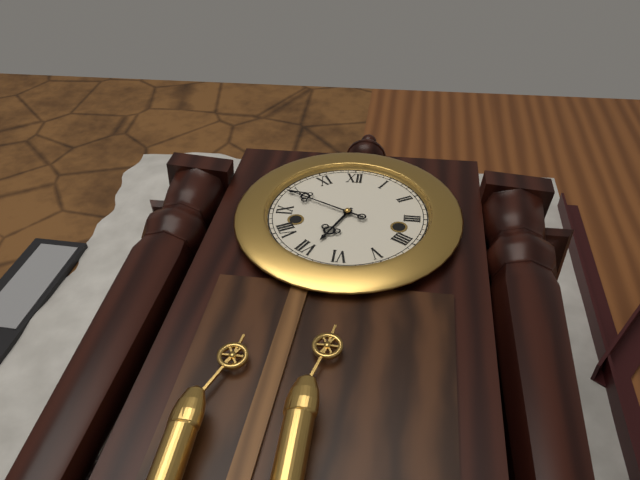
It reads {"hour": 6, "minute": 49}
